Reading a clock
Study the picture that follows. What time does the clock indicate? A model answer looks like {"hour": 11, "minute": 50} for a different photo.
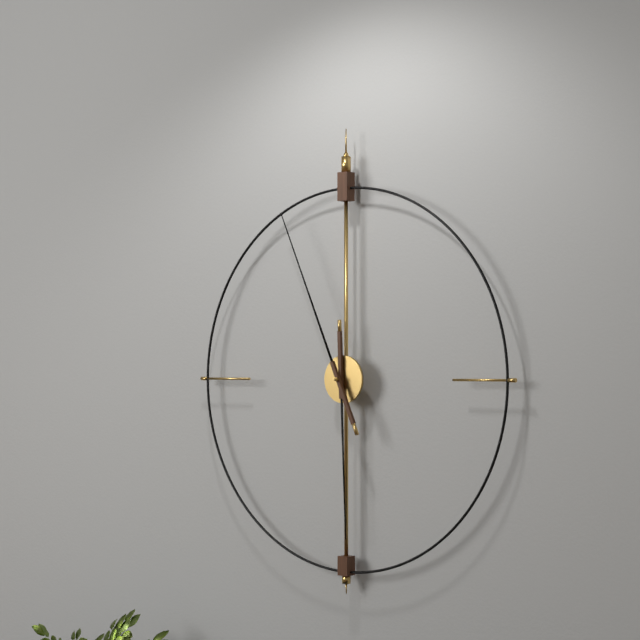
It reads {"hour": 5, "minute": 56}
